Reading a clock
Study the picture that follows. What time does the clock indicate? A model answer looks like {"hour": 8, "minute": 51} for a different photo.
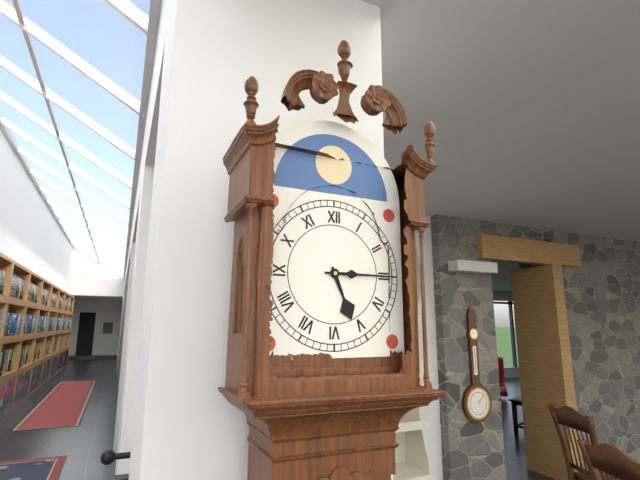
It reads {"hour": 5, "minute": 15}
